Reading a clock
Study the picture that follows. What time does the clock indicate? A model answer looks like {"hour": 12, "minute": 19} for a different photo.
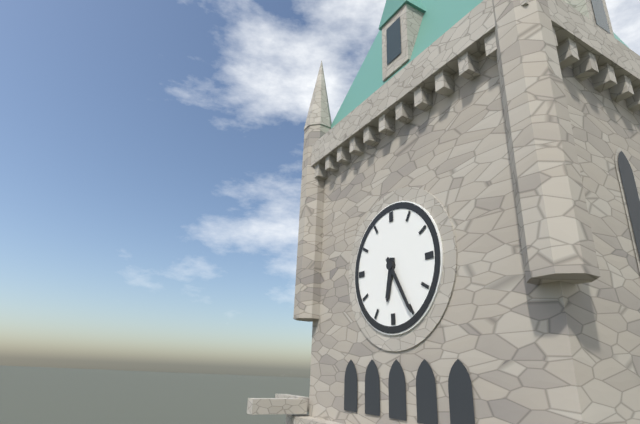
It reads {"hour": 6, "minute": 25}
